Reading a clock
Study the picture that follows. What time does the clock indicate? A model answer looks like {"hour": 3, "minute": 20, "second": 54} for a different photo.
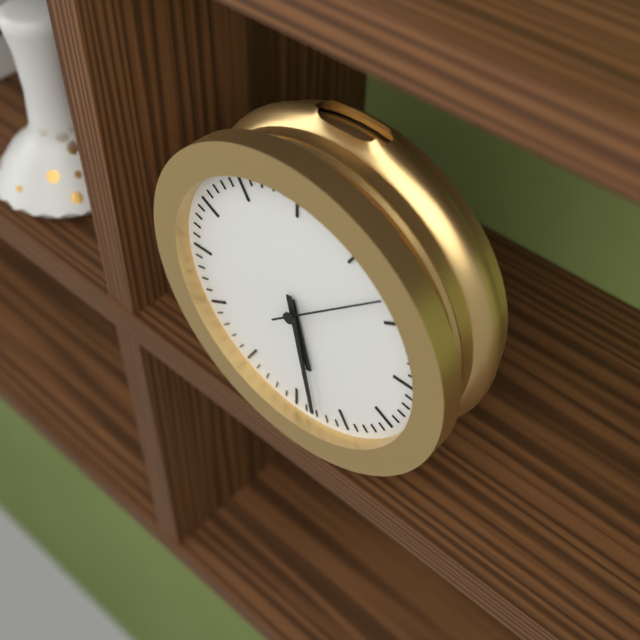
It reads {"hour": 5, "minute": 28, "second": 8}
